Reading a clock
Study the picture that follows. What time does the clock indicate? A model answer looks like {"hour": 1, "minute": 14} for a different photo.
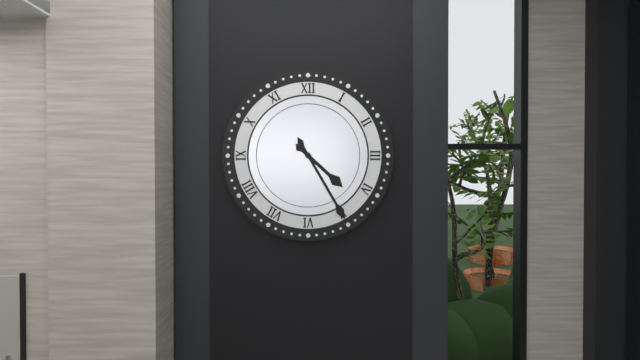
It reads {"hour": 4, "minute": 25}
